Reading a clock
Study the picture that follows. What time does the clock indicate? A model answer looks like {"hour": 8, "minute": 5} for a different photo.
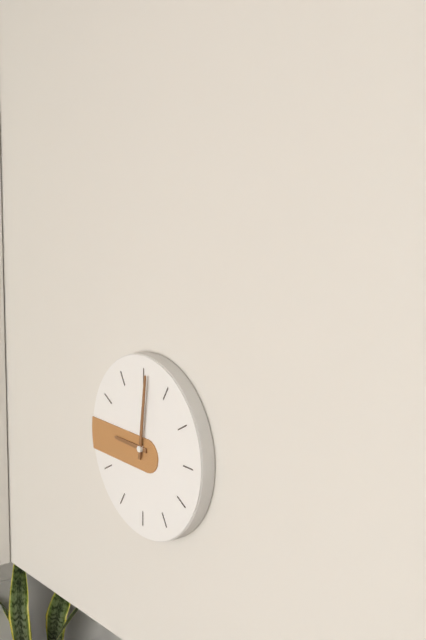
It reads {"hour": 9, "minute": 1}
